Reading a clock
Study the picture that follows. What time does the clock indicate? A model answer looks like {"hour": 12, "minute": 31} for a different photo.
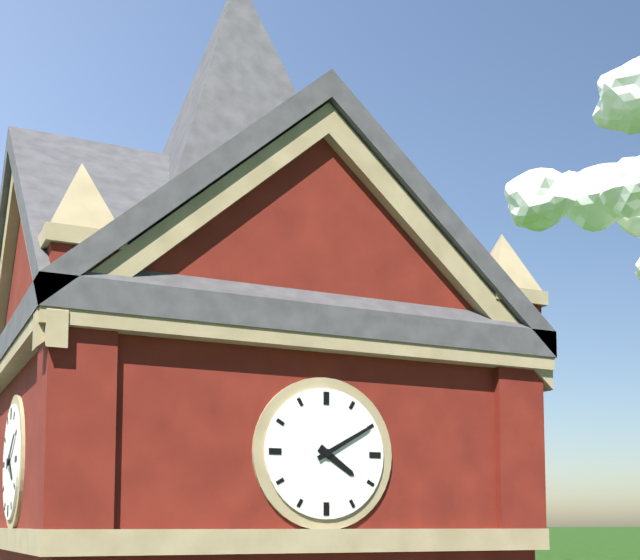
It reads {"hour": 4, "minute": 10}
